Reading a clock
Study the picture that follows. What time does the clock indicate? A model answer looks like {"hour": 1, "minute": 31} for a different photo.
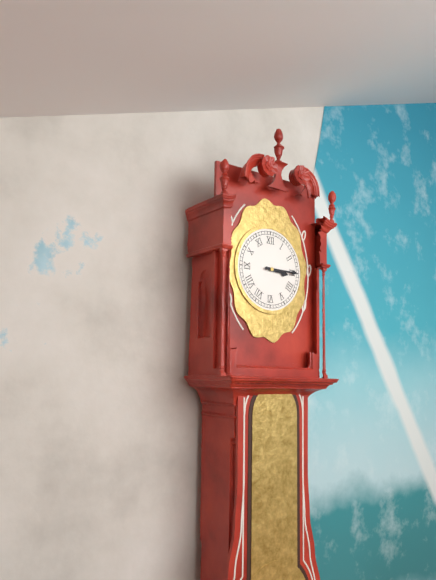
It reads {"hour": 3, "minute": 15}
